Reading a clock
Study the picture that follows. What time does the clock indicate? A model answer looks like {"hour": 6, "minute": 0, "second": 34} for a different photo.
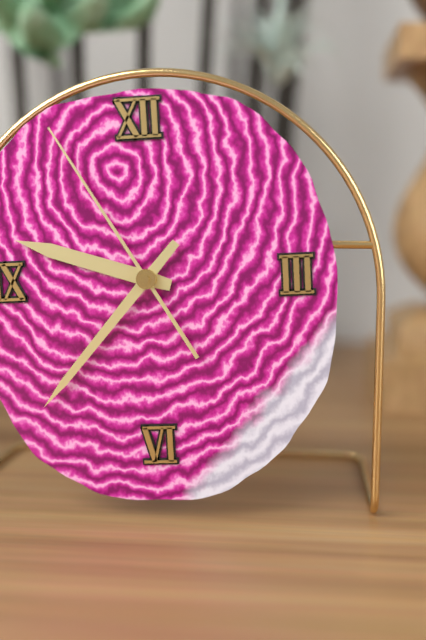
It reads {"hour": 9, "minute": 37, "second": 55}
